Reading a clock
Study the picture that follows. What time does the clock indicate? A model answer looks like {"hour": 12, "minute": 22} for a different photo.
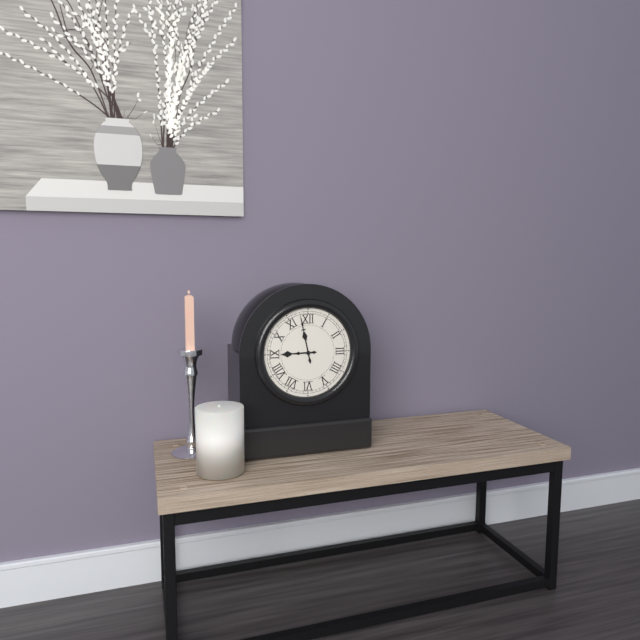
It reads {"hour": 8, "minute": 58}
